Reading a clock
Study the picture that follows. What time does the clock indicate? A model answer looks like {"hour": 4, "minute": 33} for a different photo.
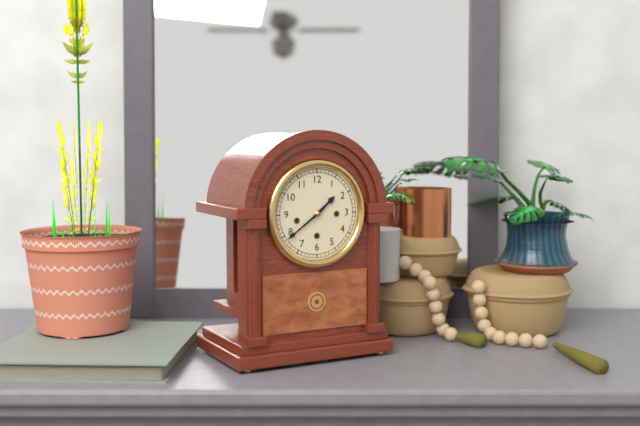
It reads {"hour": 1, "minute": 39}
